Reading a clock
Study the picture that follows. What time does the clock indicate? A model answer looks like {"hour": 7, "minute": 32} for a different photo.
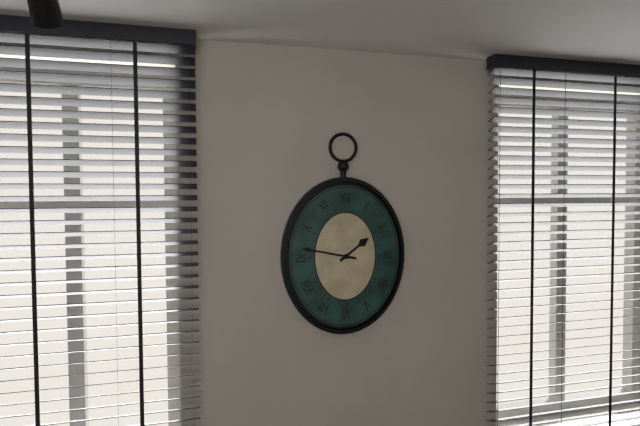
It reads {"hour": 1, "minute": 47}
